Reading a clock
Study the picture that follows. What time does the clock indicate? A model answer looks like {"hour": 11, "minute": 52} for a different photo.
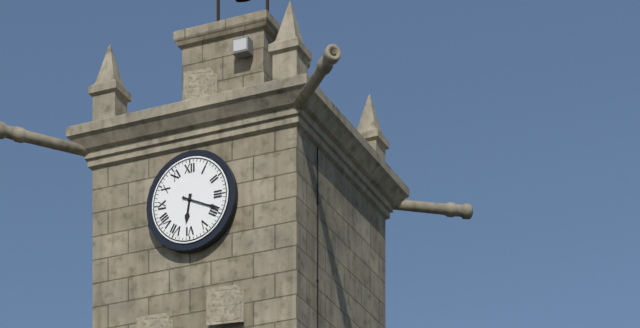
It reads {"hour": 6, "minute": 19}
